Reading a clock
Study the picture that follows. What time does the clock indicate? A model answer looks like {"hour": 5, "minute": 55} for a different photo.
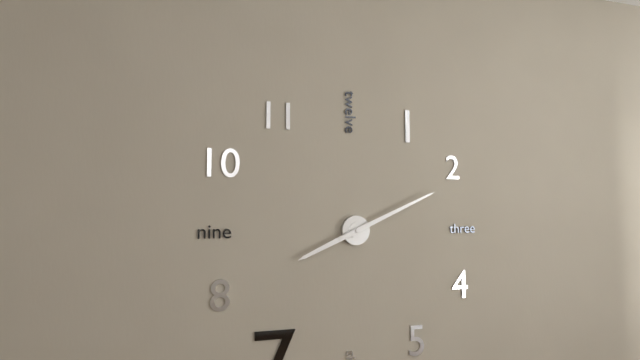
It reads {"hour": 8, "minute": 11}
